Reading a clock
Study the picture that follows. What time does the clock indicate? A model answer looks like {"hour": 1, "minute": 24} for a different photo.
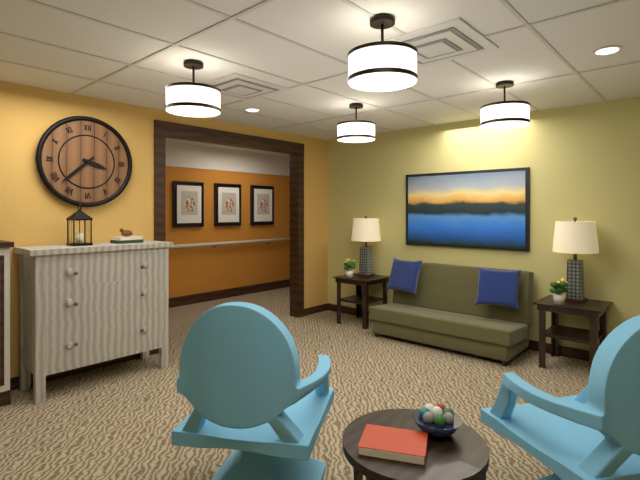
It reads {"hour": 3, "minute": 38}
